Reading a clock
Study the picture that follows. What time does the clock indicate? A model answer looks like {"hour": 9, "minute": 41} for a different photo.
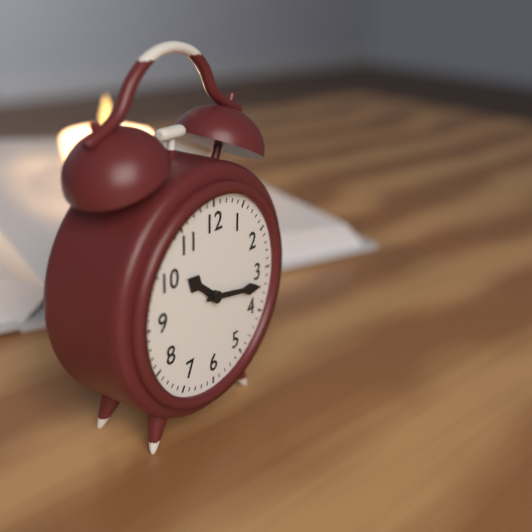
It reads {"hour": 10, "minute": 17}
